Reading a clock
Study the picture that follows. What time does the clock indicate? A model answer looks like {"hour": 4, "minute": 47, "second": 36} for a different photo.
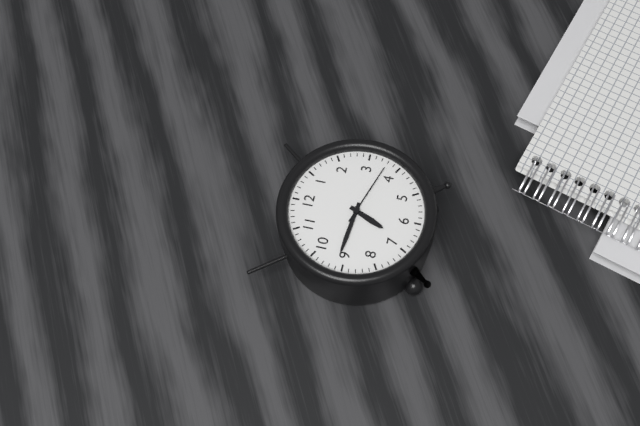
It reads {"hour": 6, "minute": 46, "second": 18}
